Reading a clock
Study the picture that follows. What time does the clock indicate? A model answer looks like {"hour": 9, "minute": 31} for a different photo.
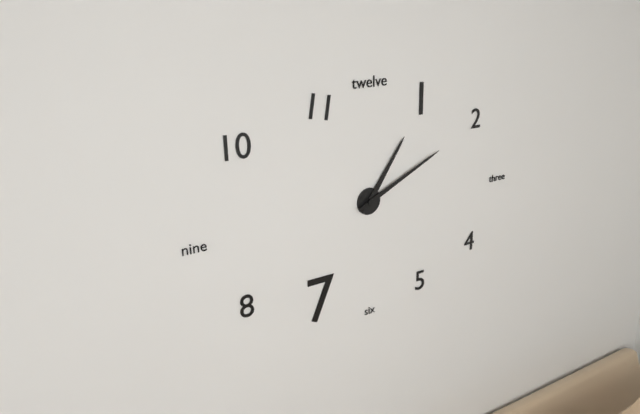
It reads {"hour": 1, "minute": 11}
